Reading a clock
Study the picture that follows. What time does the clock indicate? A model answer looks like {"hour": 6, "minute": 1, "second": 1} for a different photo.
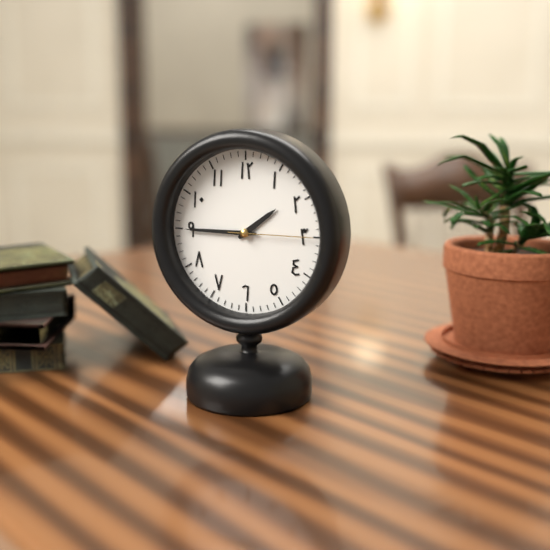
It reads {"hour": 1, "minute": 45, "second": 15}
